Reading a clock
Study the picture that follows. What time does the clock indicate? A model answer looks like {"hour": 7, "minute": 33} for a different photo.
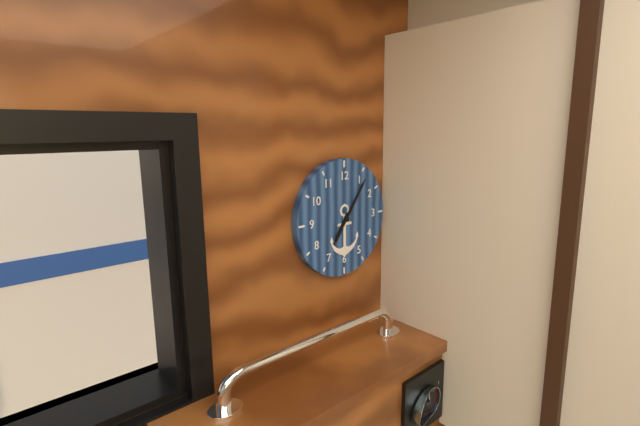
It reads {"hour": 7, "minute": 6}
